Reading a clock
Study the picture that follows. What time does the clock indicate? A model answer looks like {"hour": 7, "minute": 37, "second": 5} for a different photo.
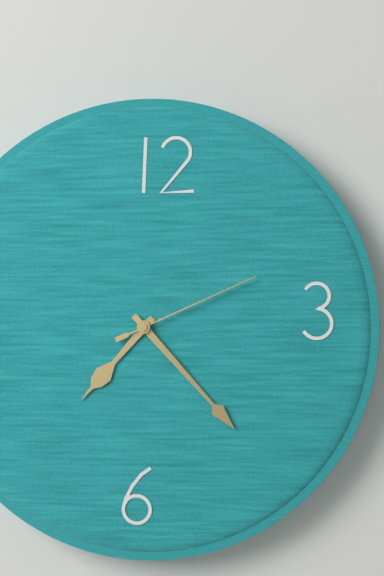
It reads {"hour": 7, "minute": 23, "second": 11}
